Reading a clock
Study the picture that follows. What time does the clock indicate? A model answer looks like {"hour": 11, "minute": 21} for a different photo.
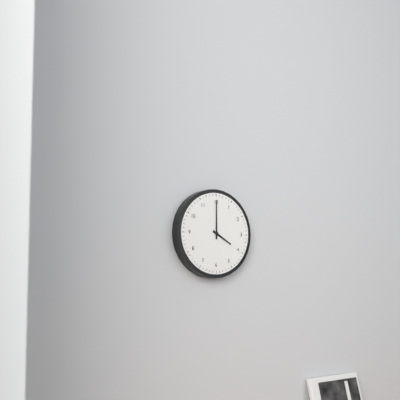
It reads {"hour": 4, "minute": 0}
